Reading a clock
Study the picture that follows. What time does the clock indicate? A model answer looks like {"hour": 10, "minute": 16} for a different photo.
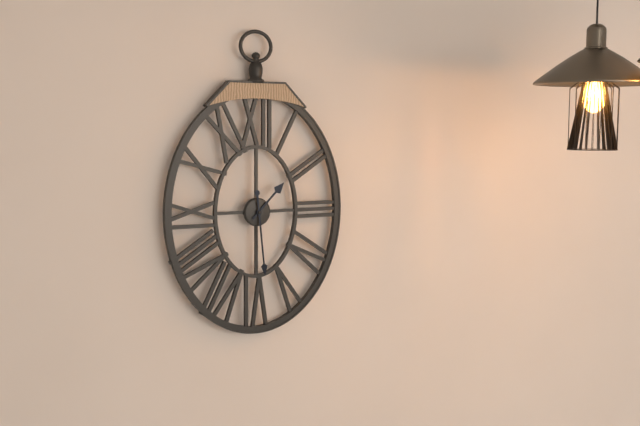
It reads {"hour": 1, "minute": 29}
